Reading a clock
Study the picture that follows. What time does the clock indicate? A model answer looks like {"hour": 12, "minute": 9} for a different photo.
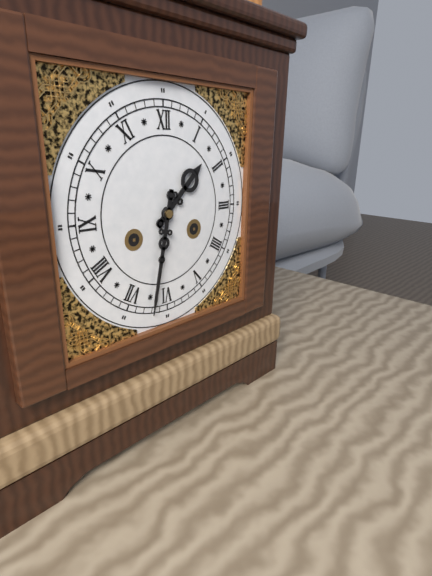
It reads {"hour": 1, "minute": 32}
